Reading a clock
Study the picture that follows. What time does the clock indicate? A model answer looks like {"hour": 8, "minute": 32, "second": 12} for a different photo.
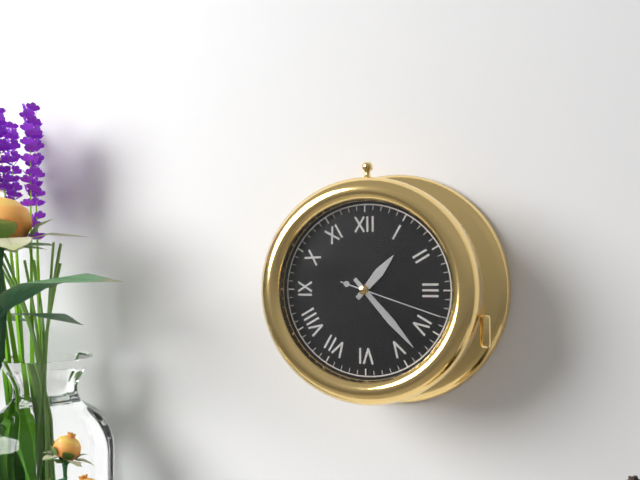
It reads {"hour": 1, "minute": 23, "second": 18}
